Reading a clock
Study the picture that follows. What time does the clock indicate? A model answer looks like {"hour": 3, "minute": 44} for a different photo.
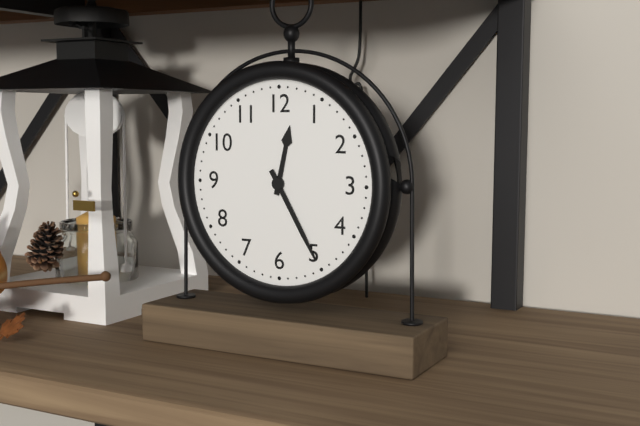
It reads {"hour": 12, "minute": 25}
